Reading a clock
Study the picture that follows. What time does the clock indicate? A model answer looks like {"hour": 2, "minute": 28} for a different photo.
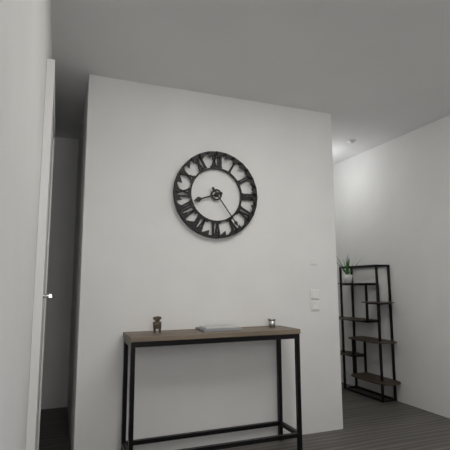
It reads {"hour": 8, "minute": 24}
